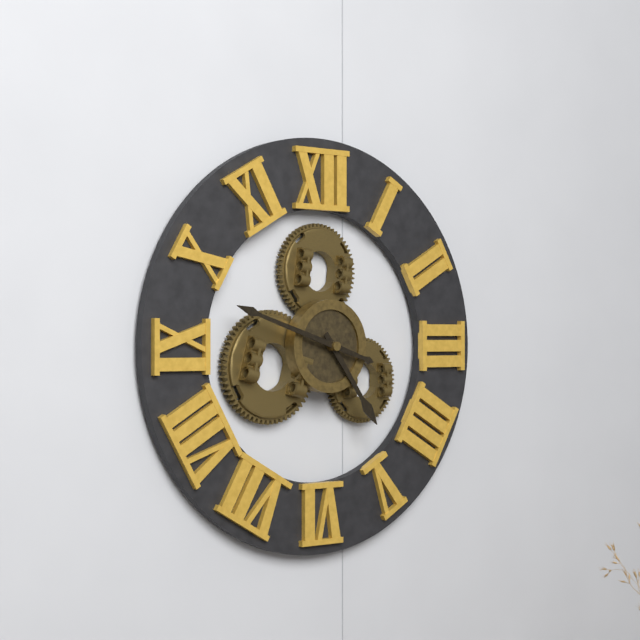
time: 4:48
